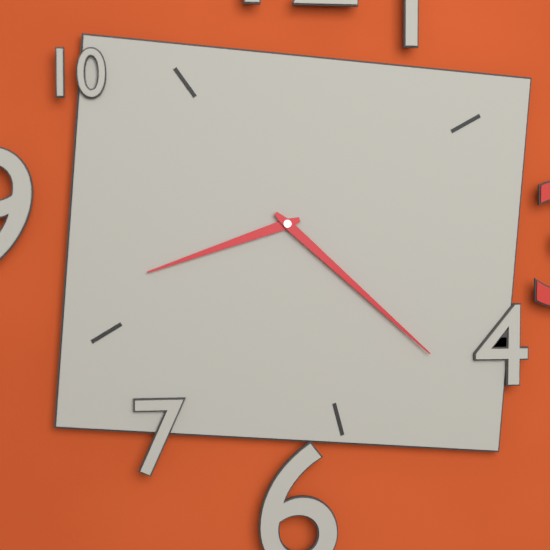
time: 8:22
